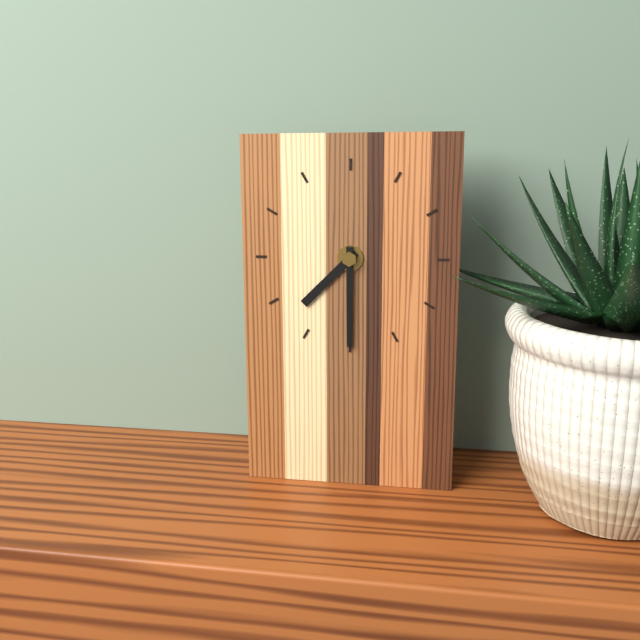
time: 7:30
